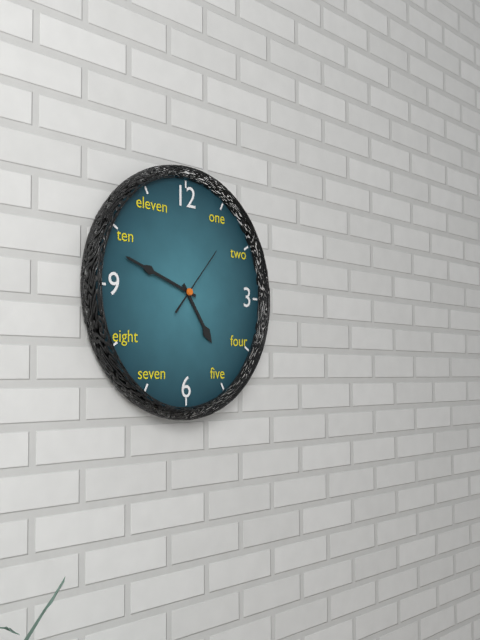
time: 4:48:07
